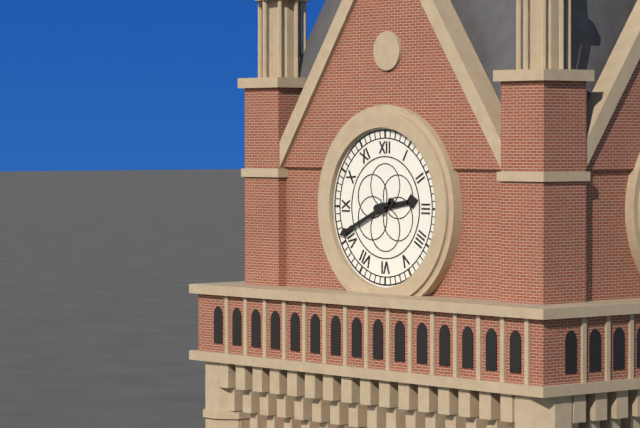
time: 2:41
